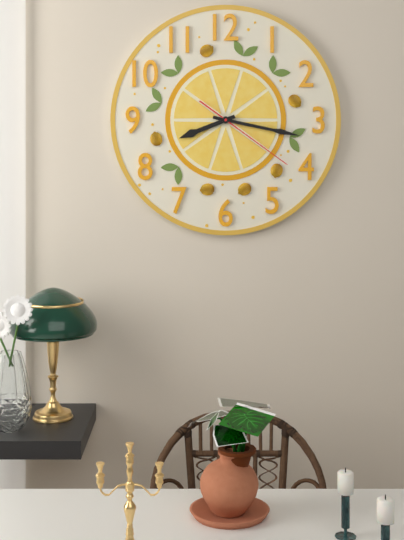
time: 8:17:21
